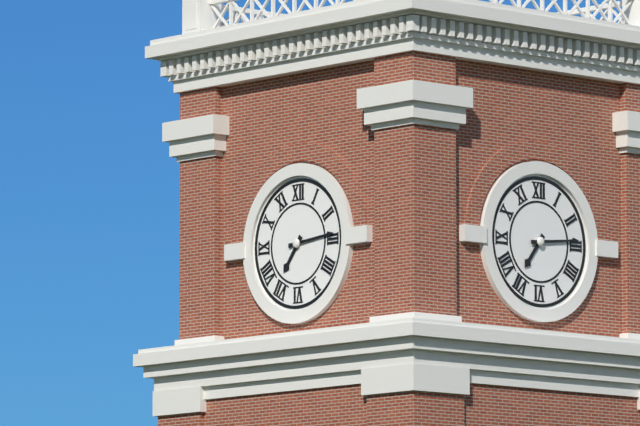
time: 7:14
